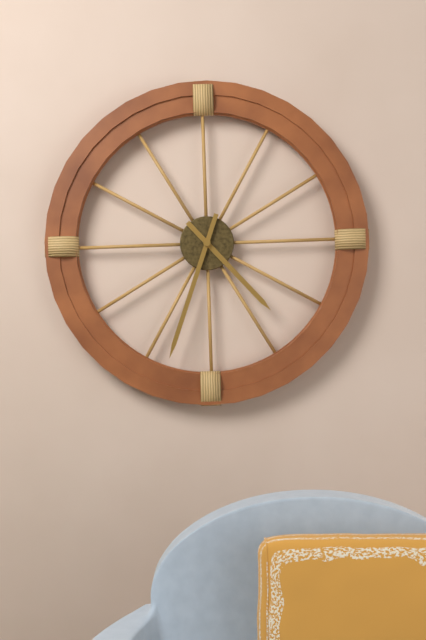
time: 4:33
